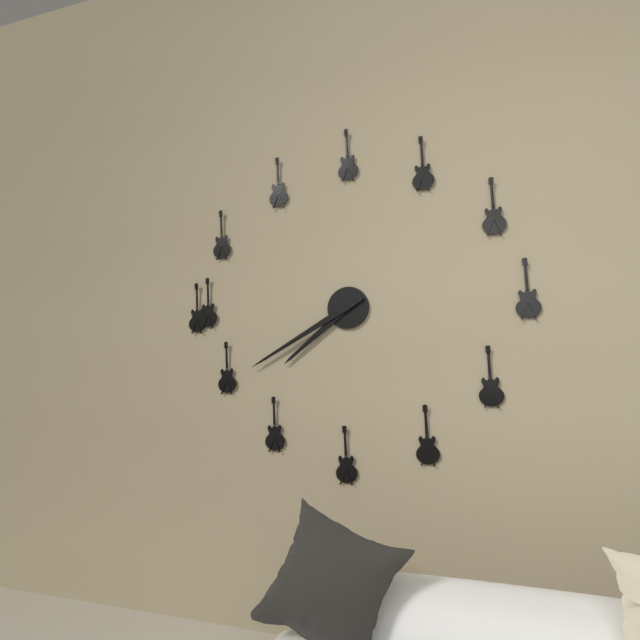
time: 7:40
